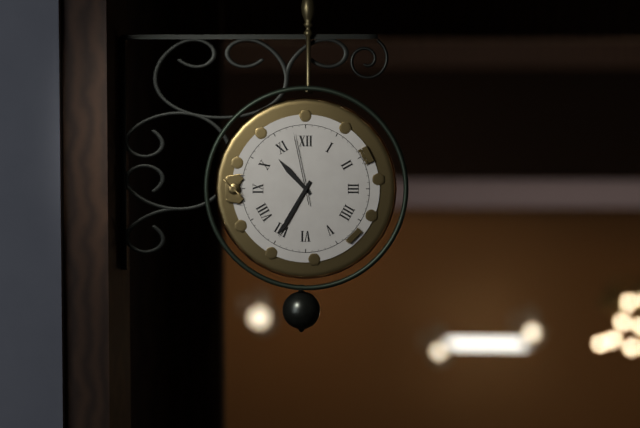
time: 10:35:58
